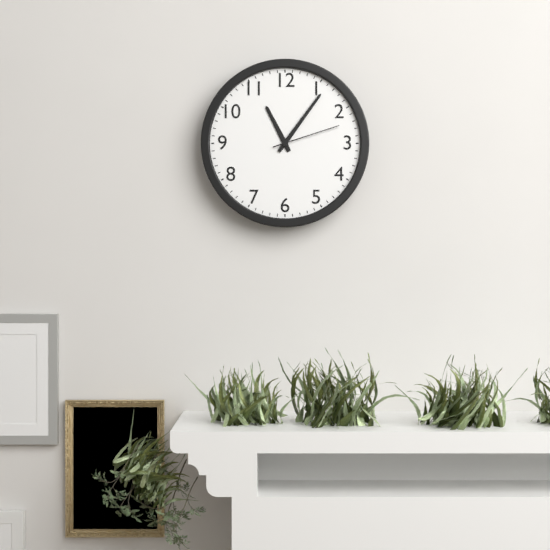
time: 11:06:12
